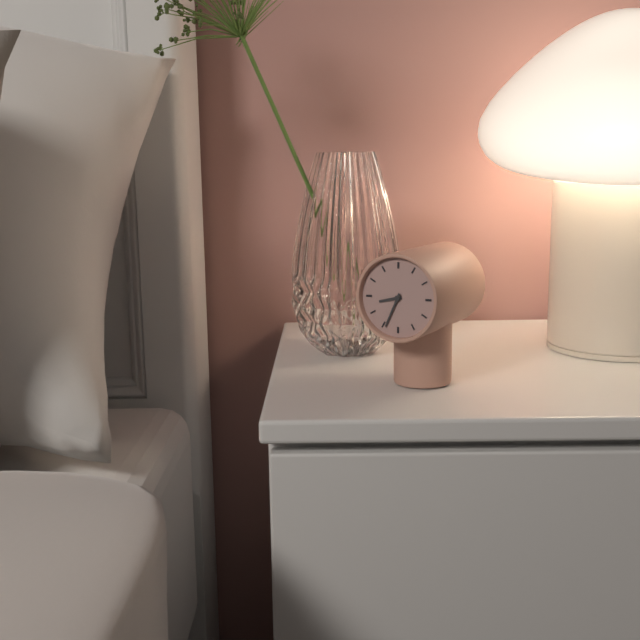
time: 8:34
